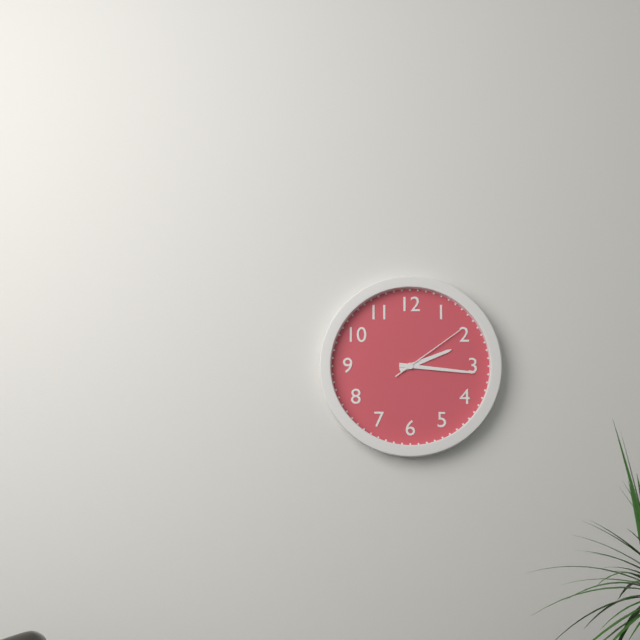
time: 2:16:09
